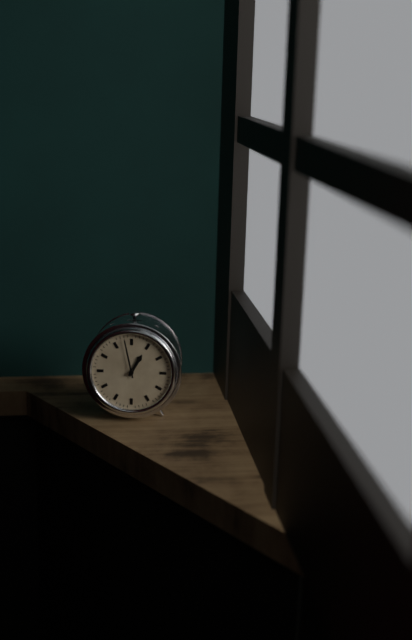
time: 12:58
